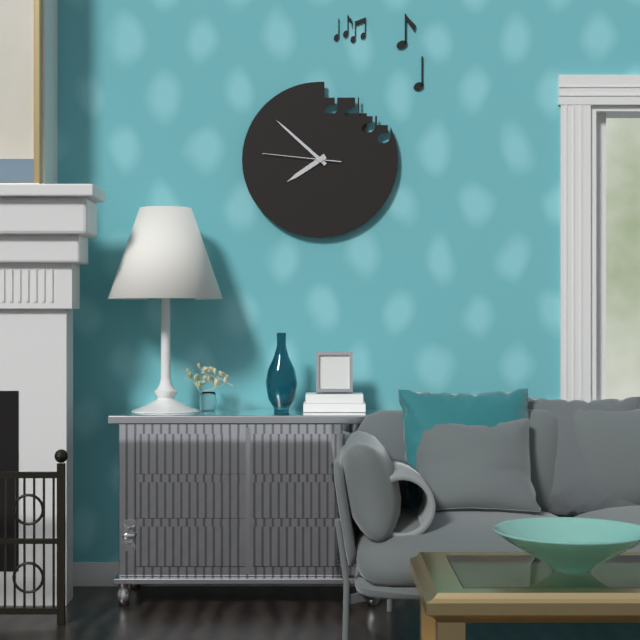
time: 7:52:46
